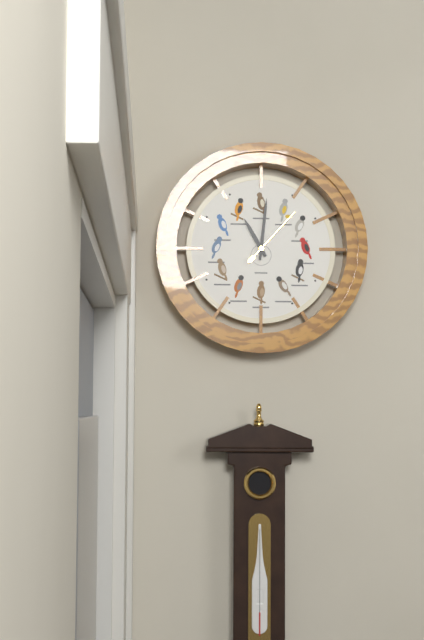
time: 11:01:07
